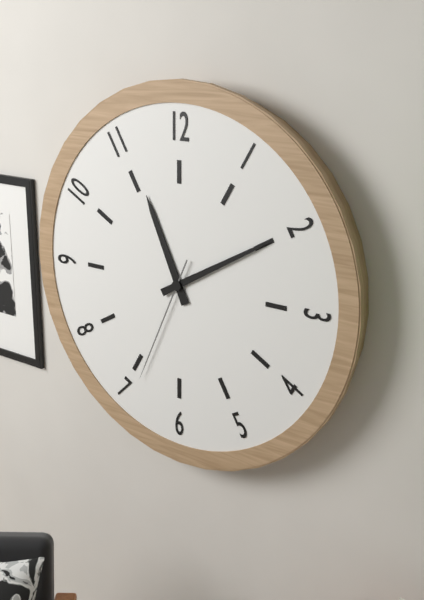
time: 11:10:34
